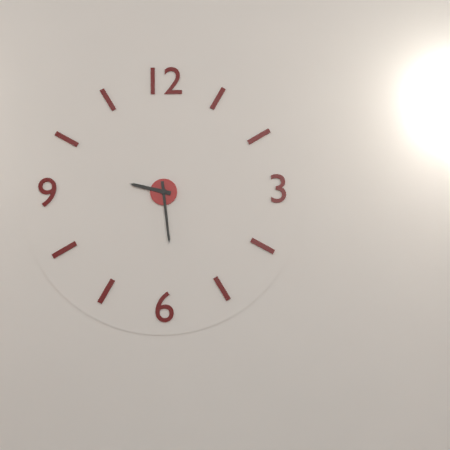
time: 9:29
